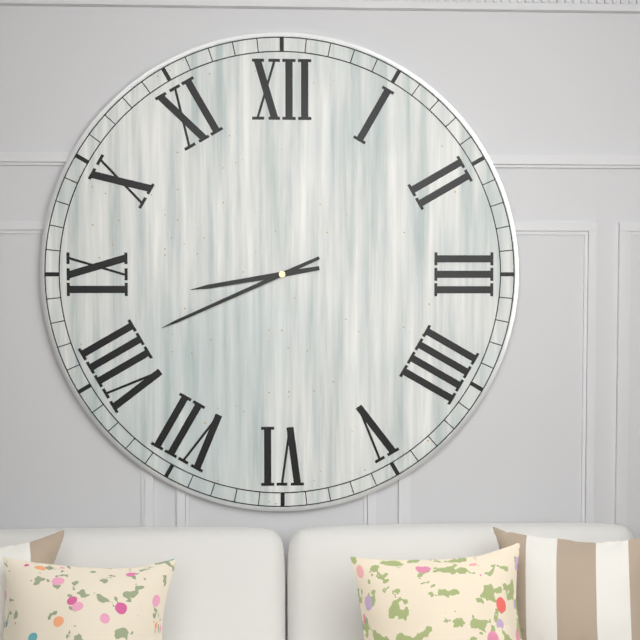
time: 8:41
